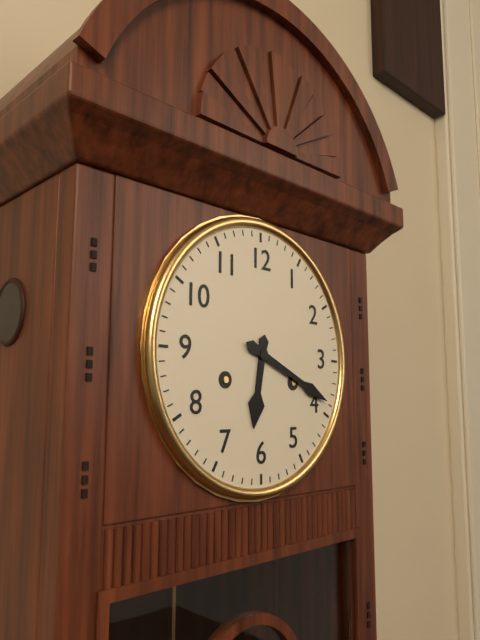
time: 6:19
